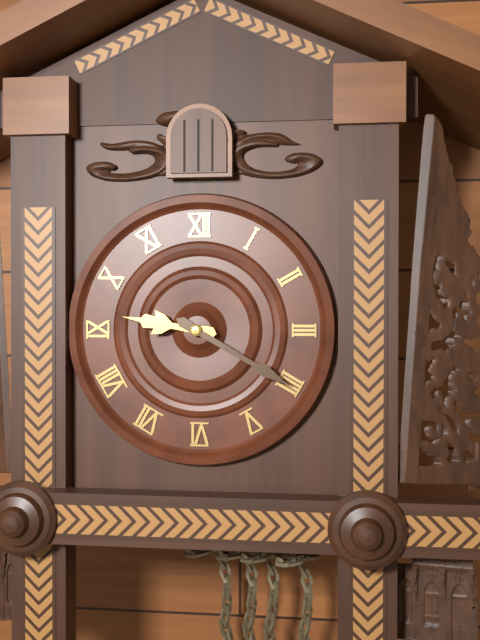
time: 9:20
